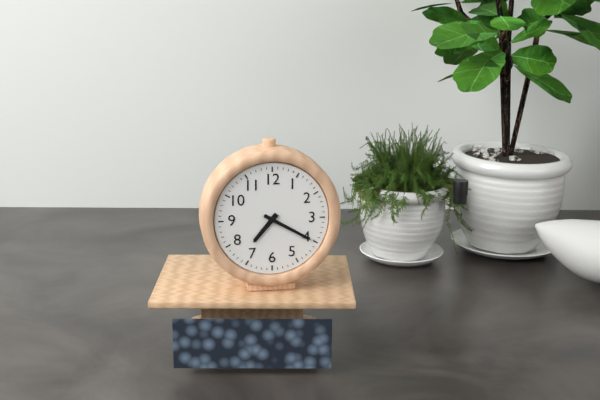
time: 7:20
